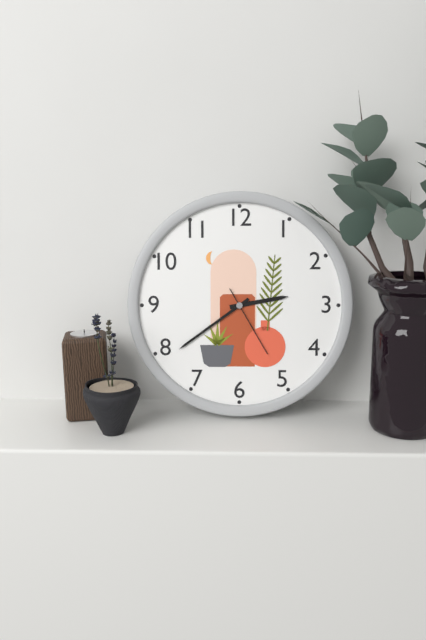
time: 2:39:25
